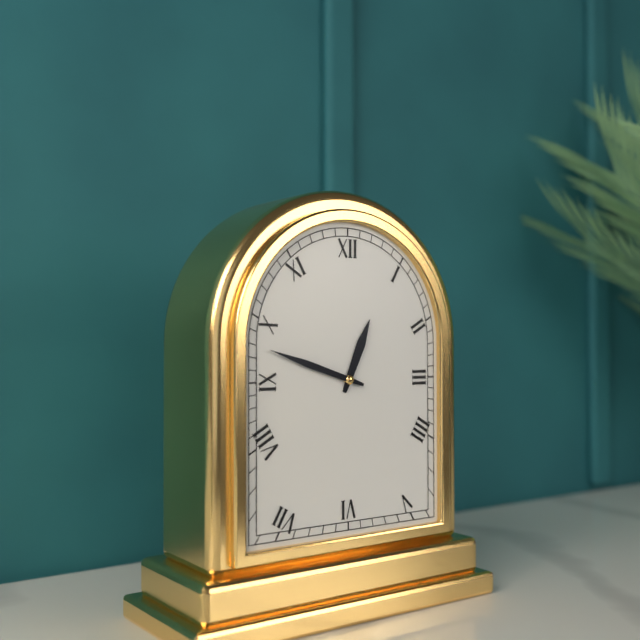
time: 12:48
